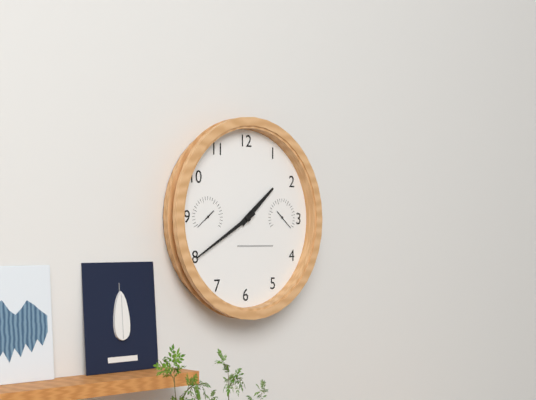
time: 1:40
